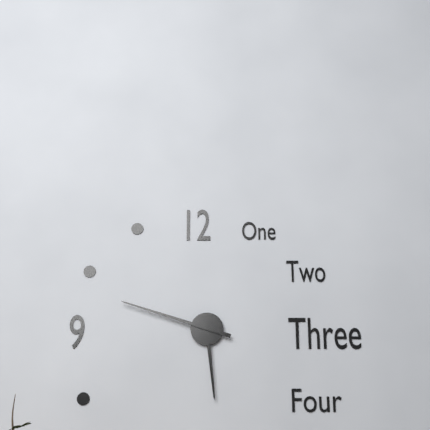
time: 5:48
